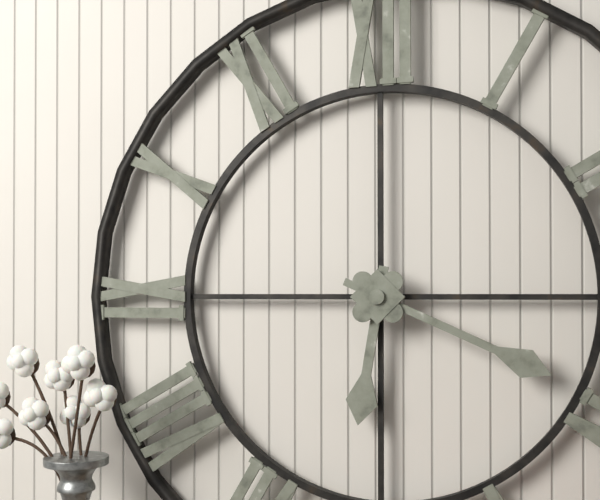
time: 6:19
